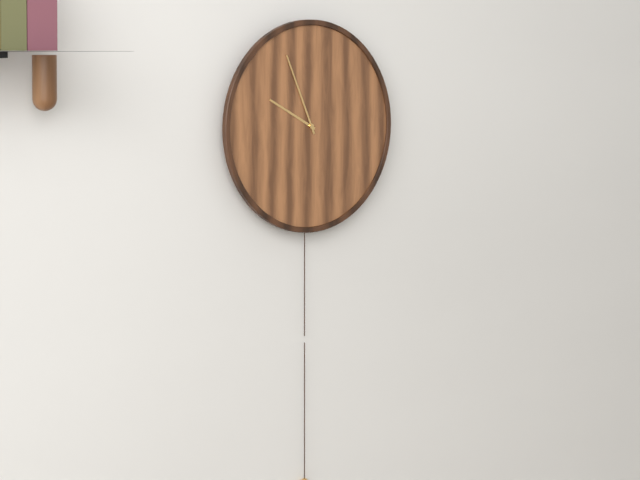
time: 9:56
